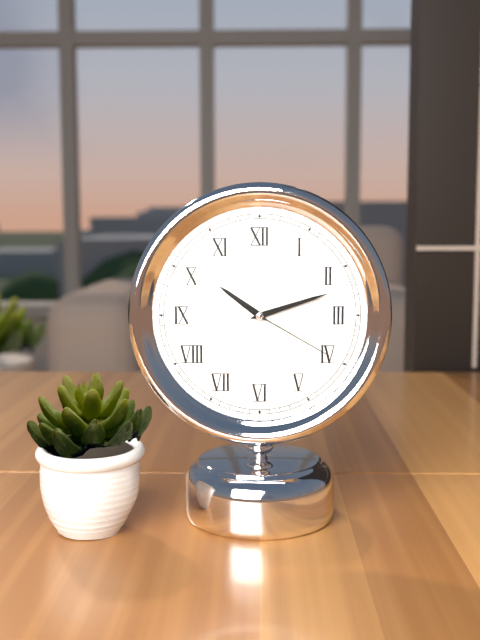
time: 10:12:20
